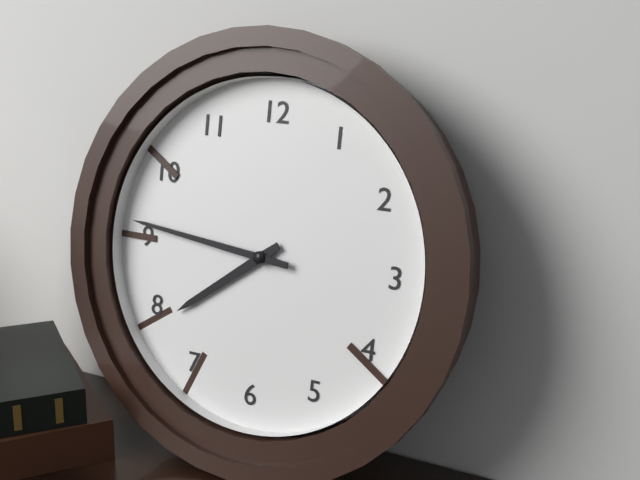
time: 7:46
